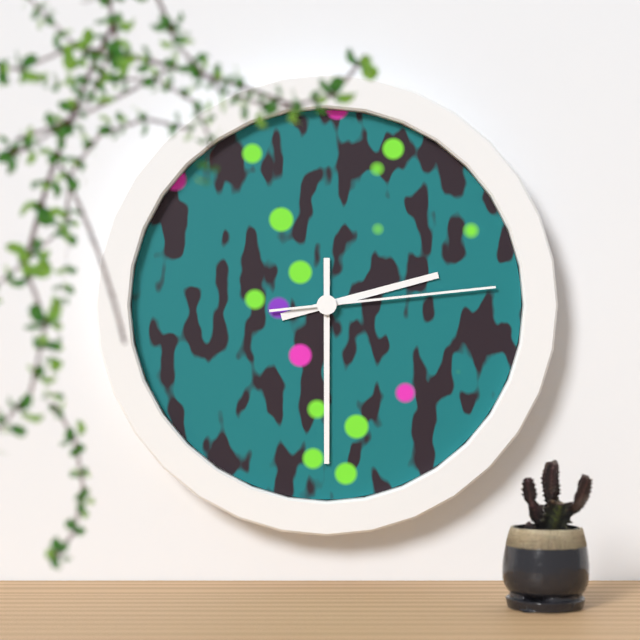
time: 2:30:14
